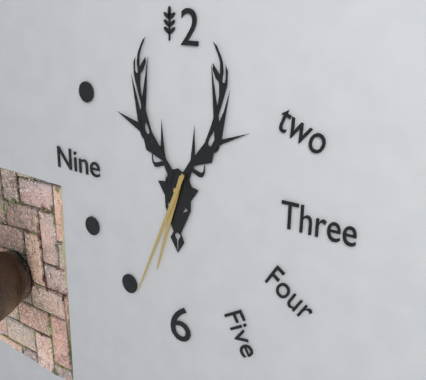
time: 6:34
